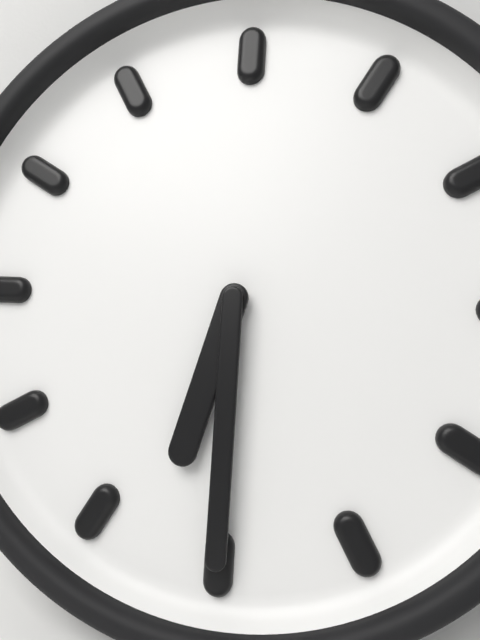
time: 6:30
